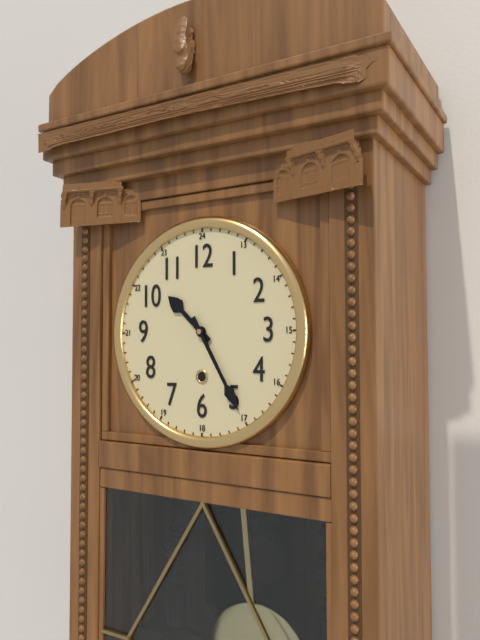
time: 10:25
